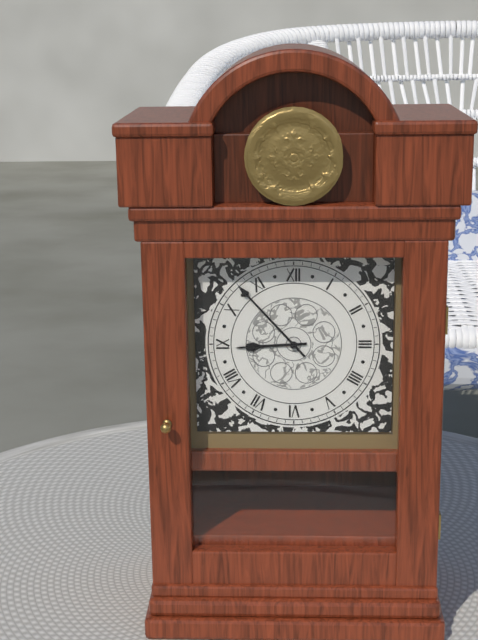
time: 8:53
